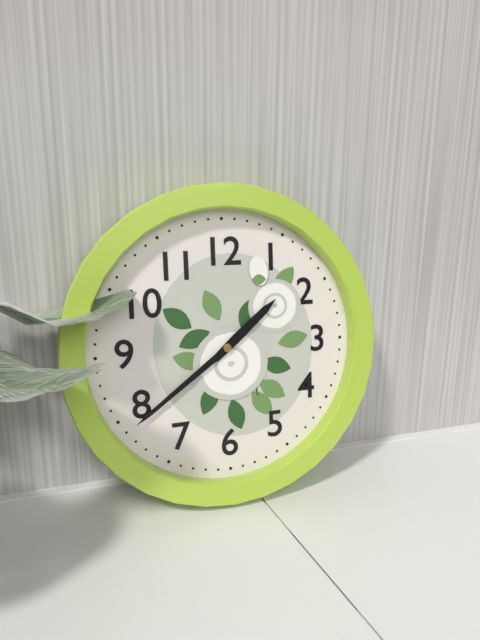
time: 1:39
